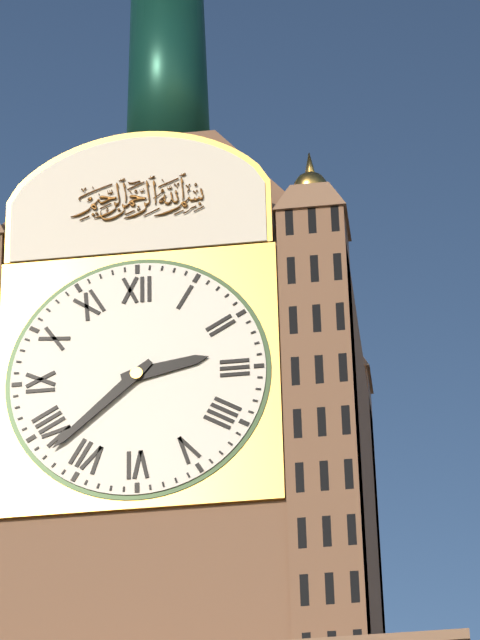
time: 2:38
